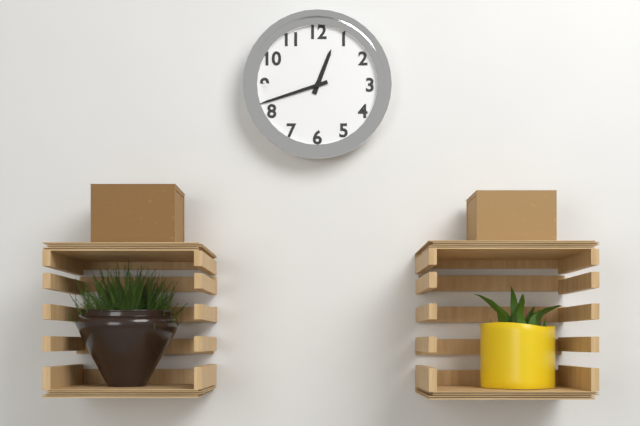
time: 12:42
